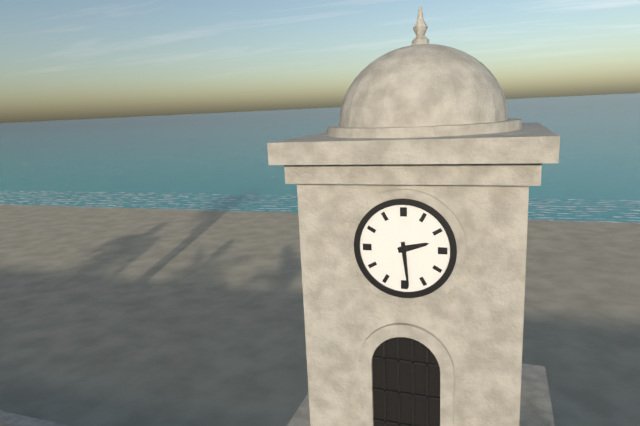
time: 2:29
